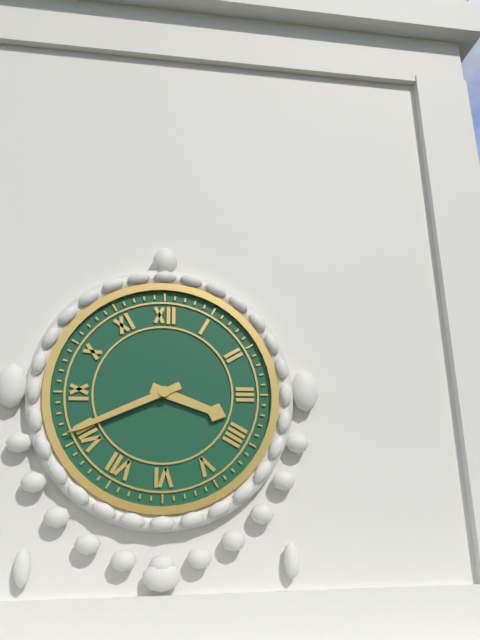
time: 3:41
